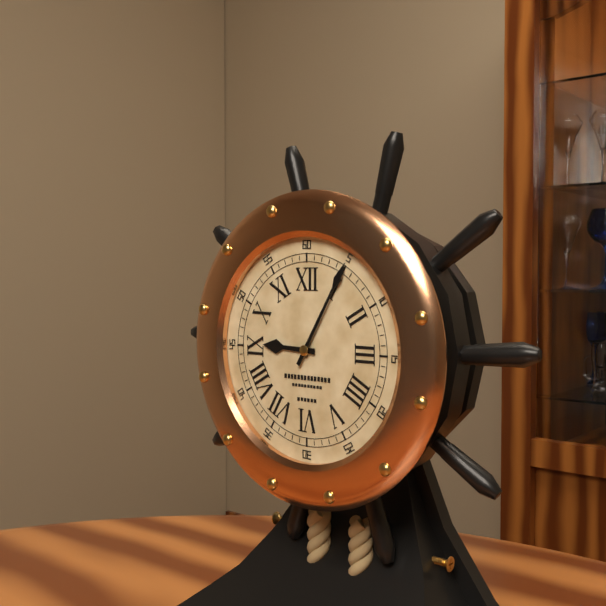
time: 9:05
